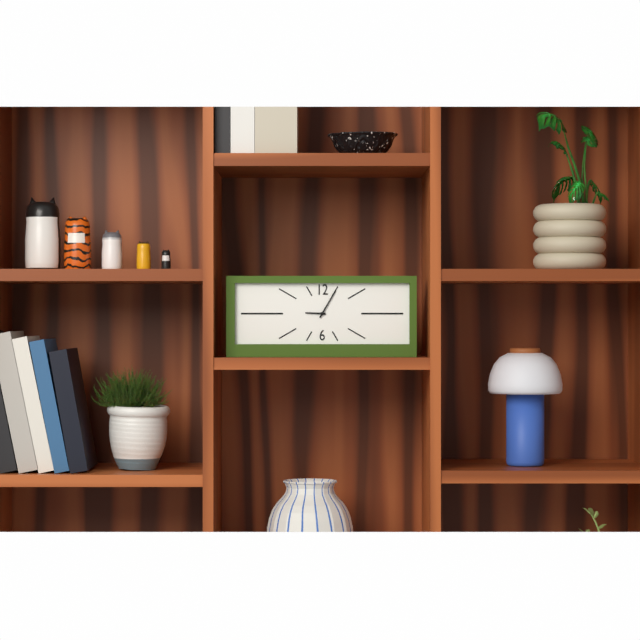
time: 9:05
